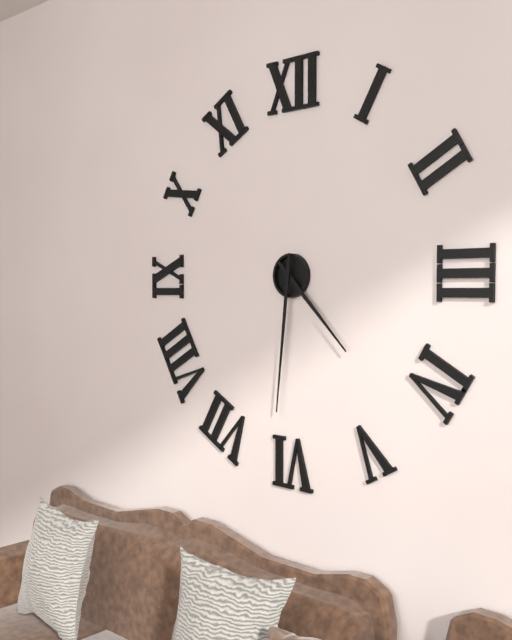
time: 4:31
